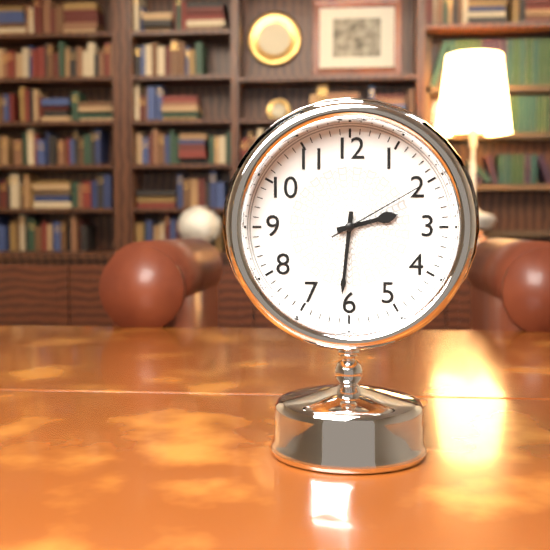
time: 2:31:10
